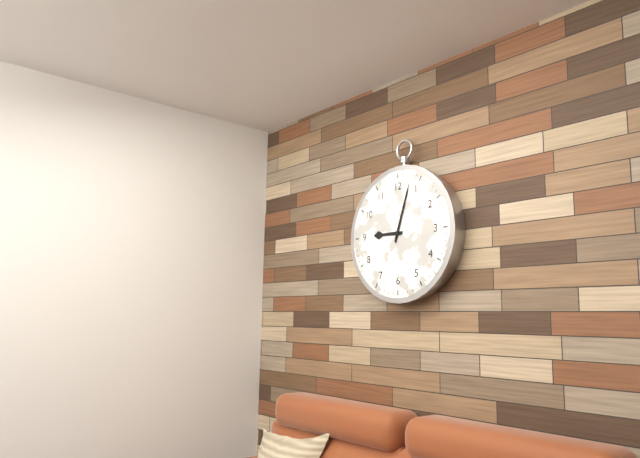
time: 9:03
